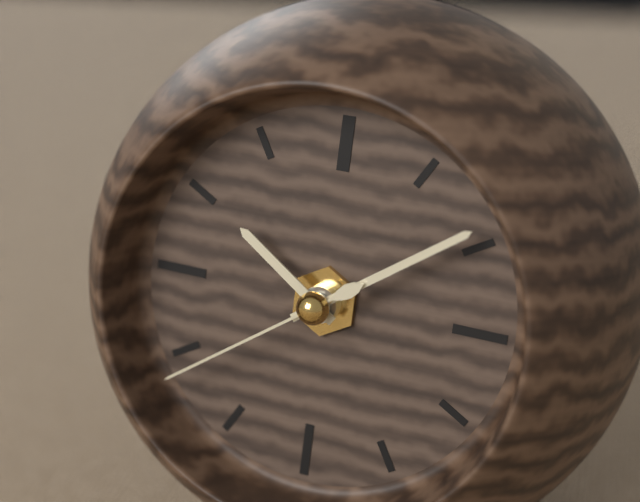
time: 10:09:39
